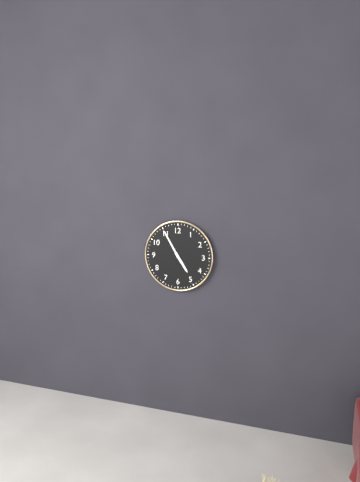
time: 4:55
